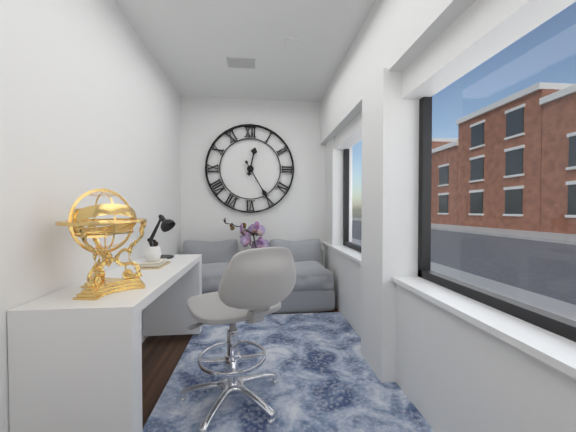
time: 12:25
